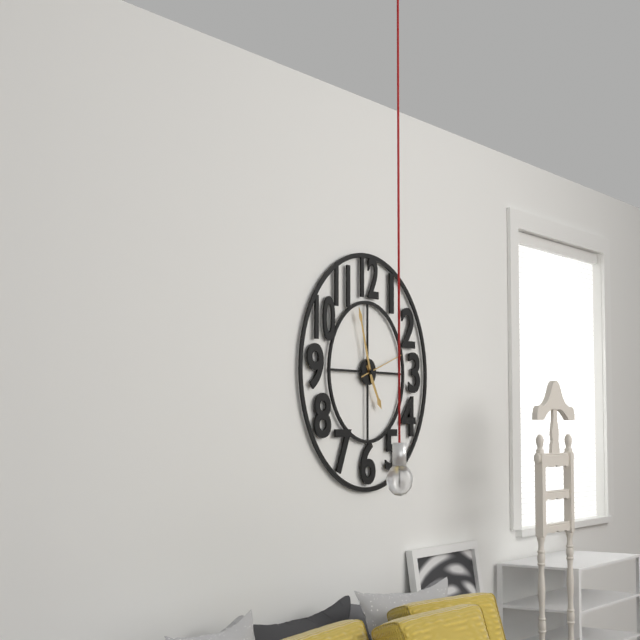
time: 4:57
